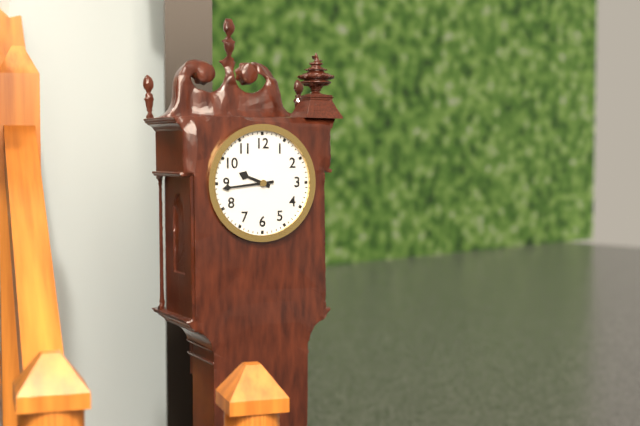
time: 9:44
